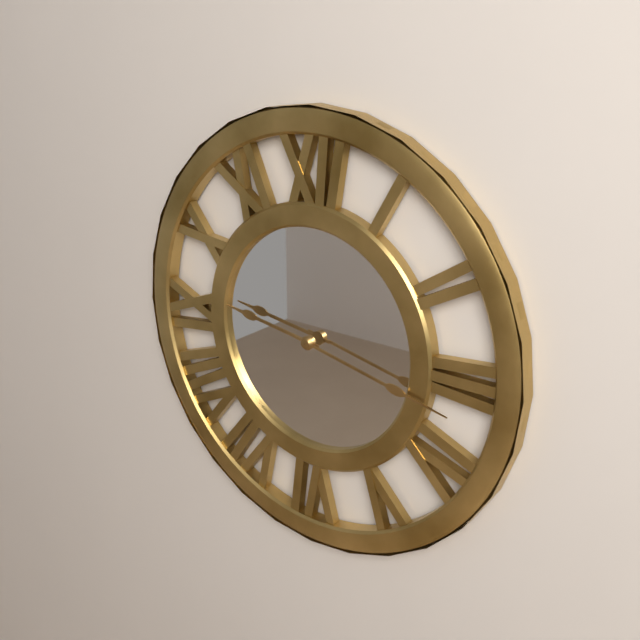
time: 9:17
